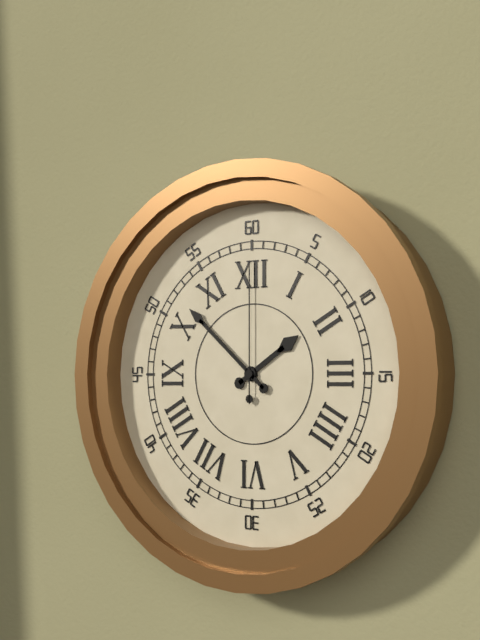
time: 1:52:00
